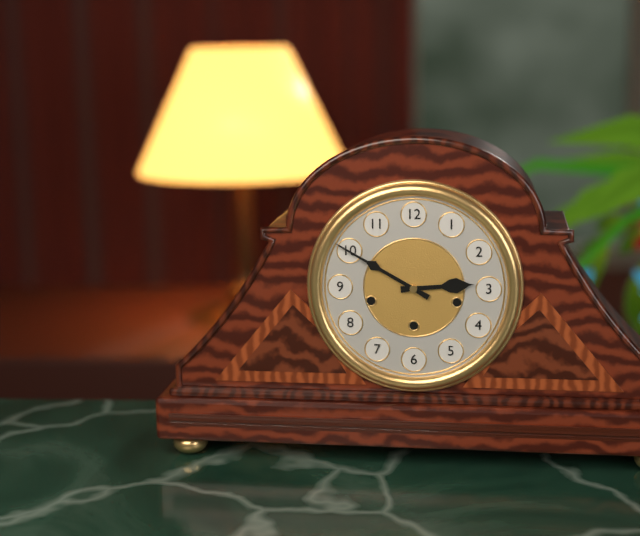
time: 2:50
